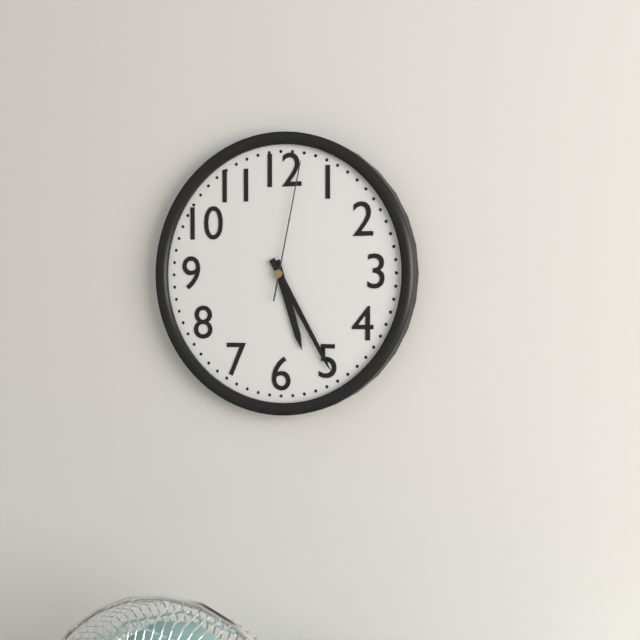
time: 5:25:02
